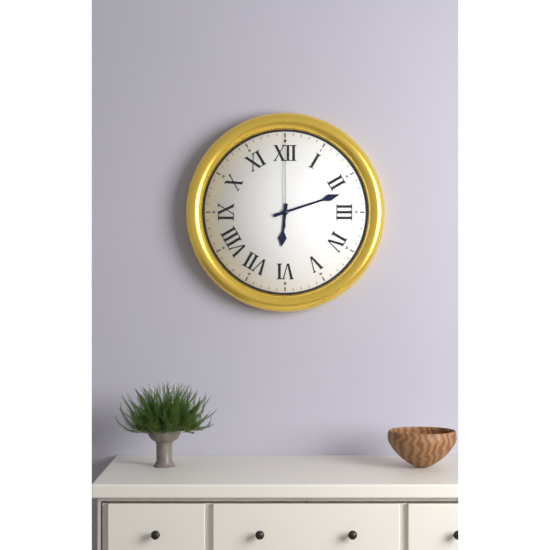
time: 6:12:00
